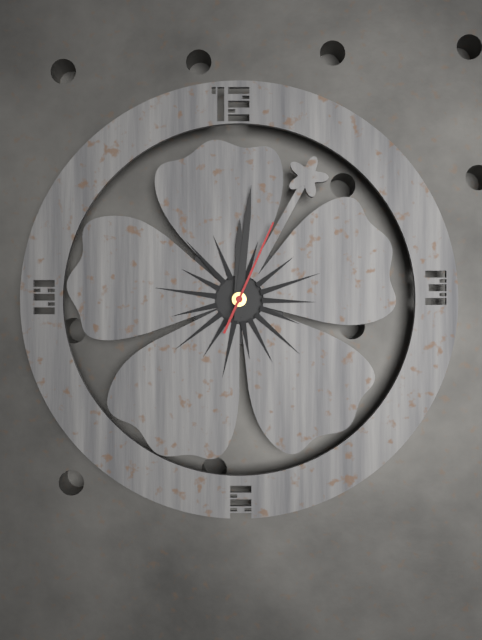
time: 12:01:04
